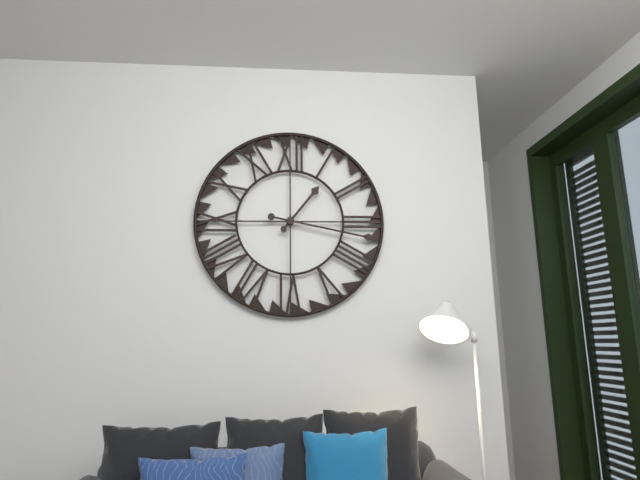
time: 1:17
